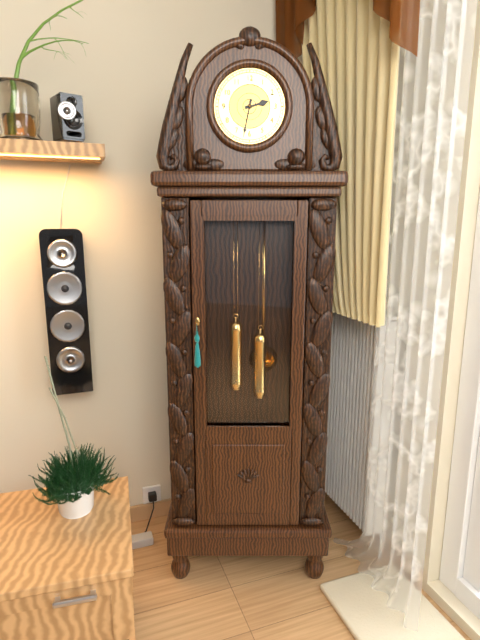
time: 2:32
